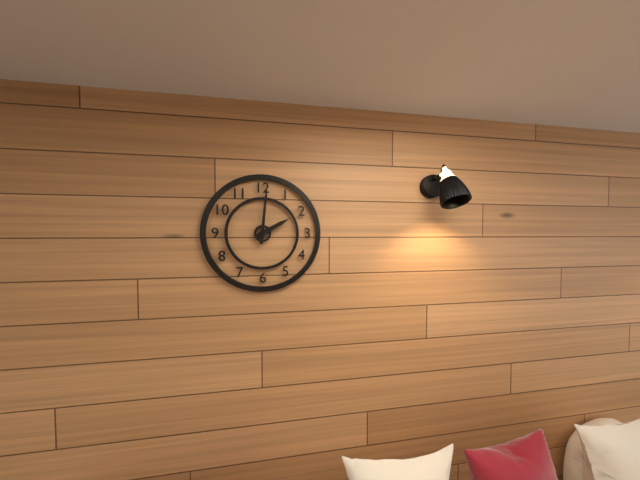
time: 2:01
